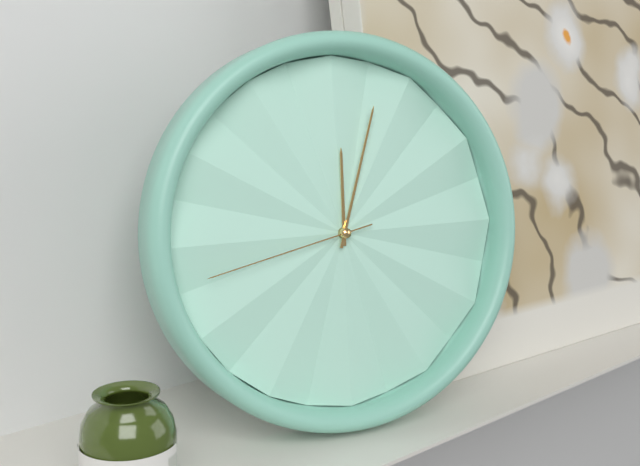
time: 12:03:43
